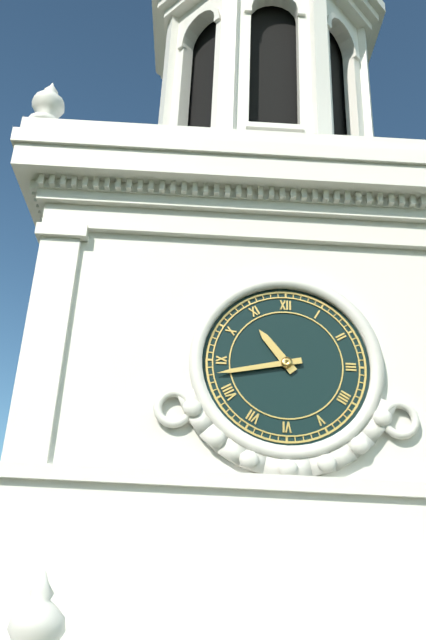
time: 10:43
